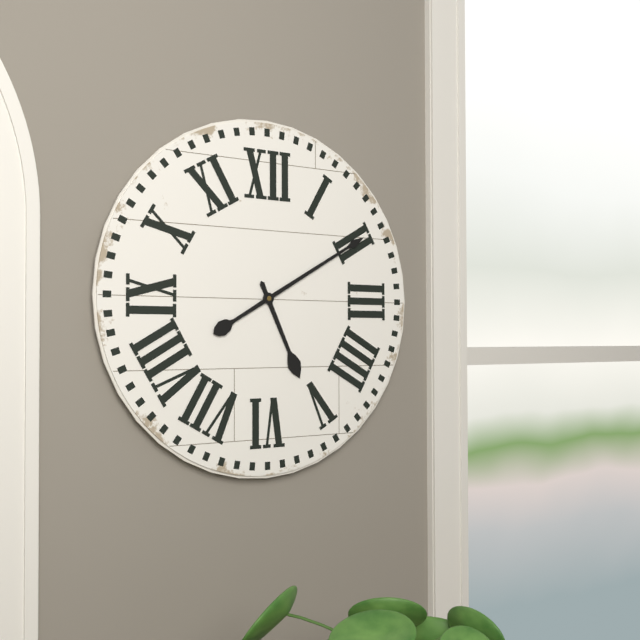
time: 5:10
